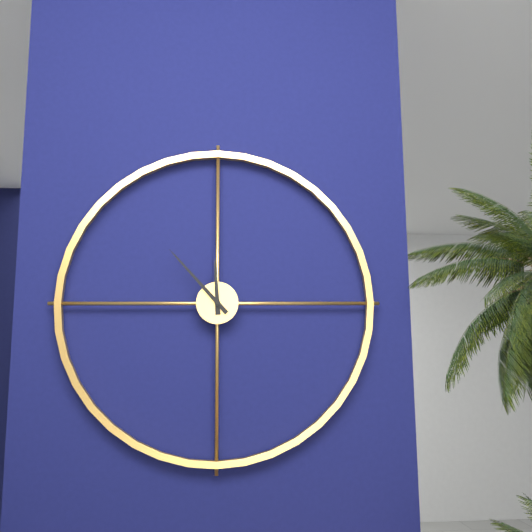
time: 11:53
